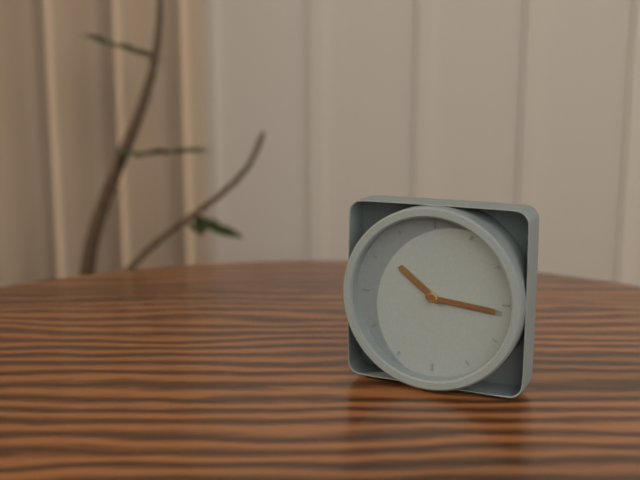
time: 10:16
